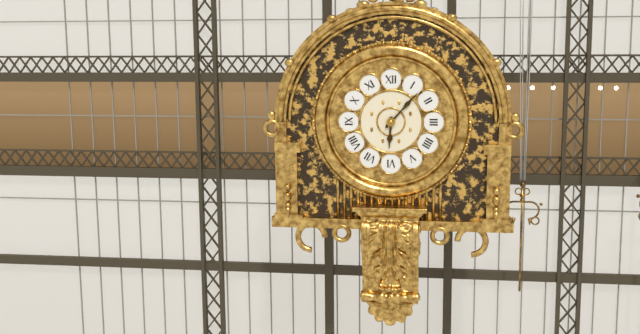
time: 6:07
